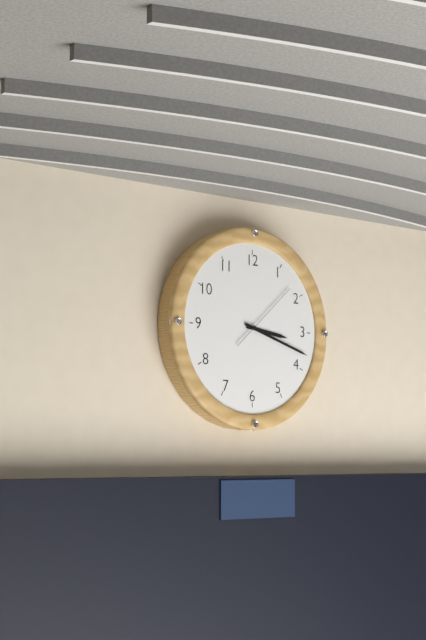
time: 3:18:08
